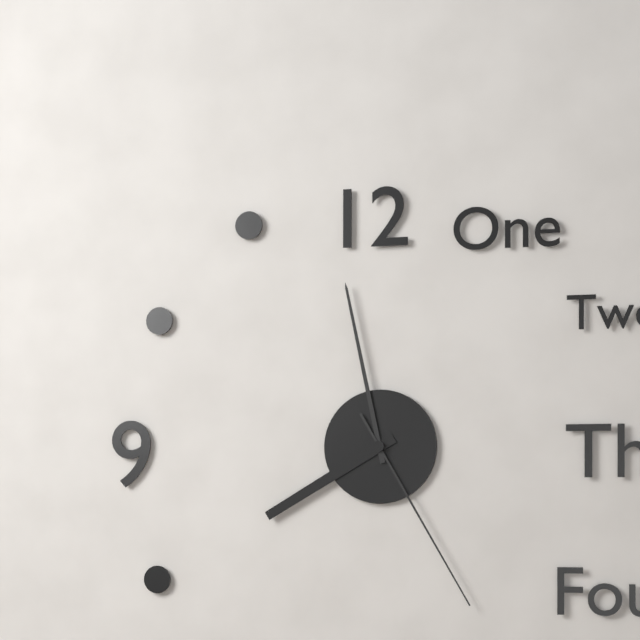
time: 7:58:25
